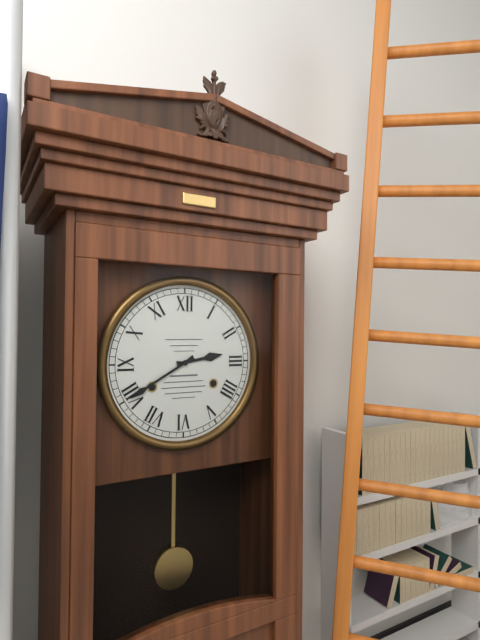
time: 2:40
